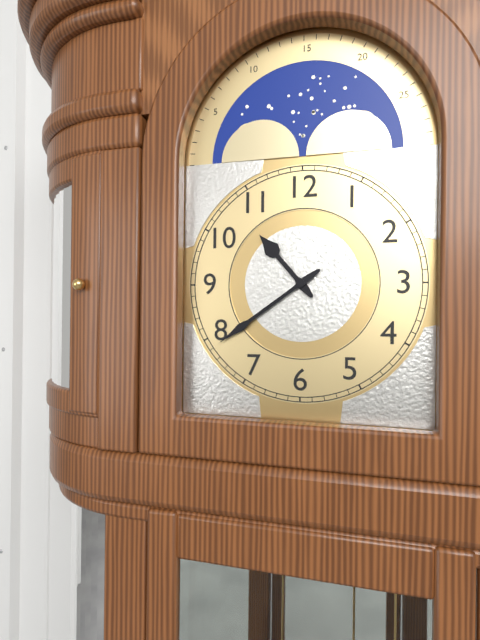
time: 10:39
